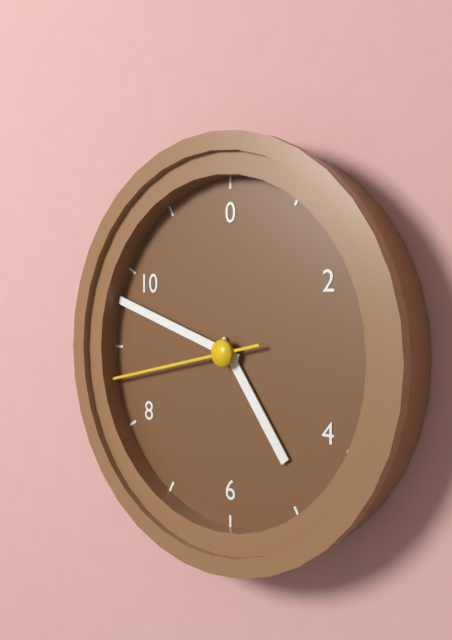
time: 4:48:43
